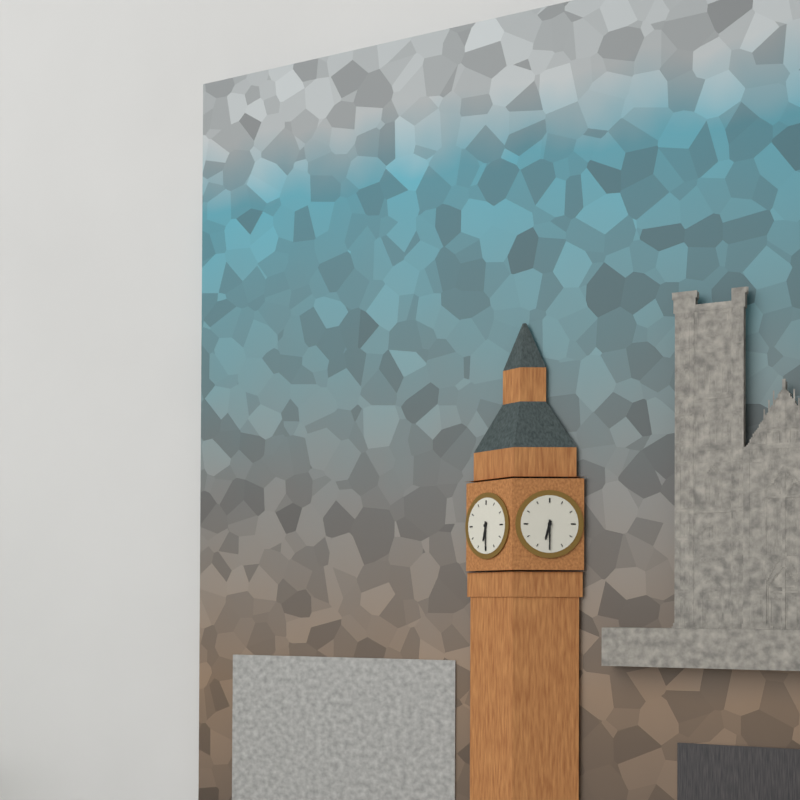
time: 6:30
